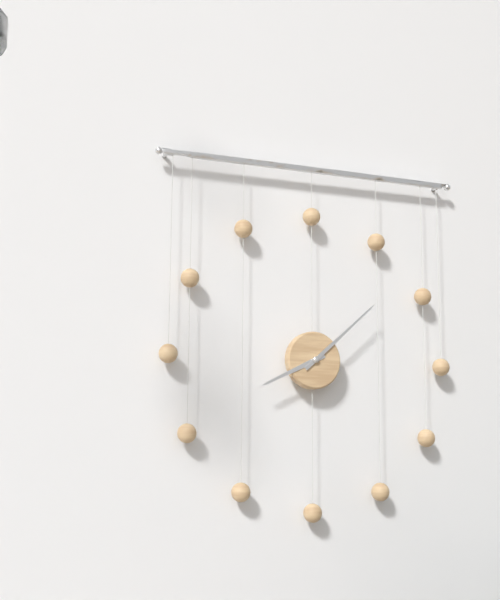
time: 8:08
